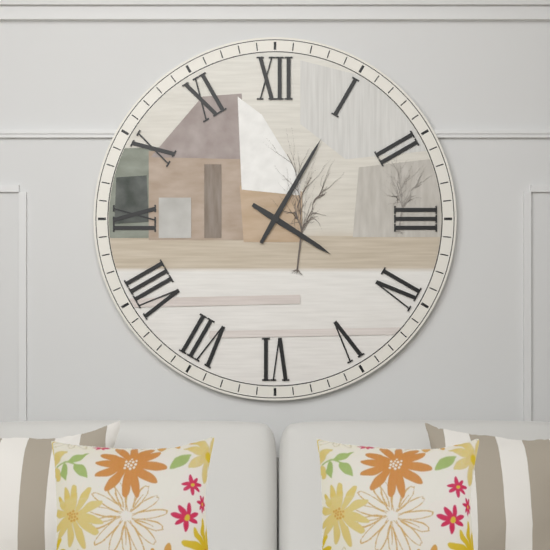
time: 4:05
